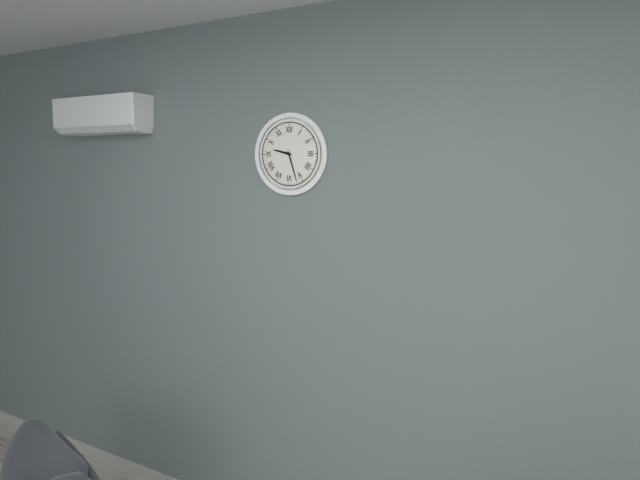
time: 9:27
